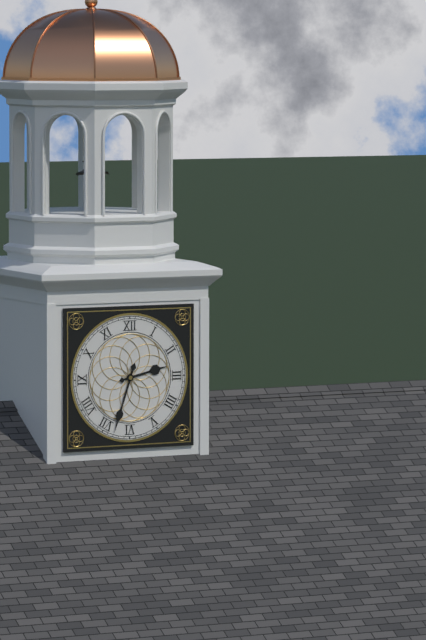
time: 2:33
